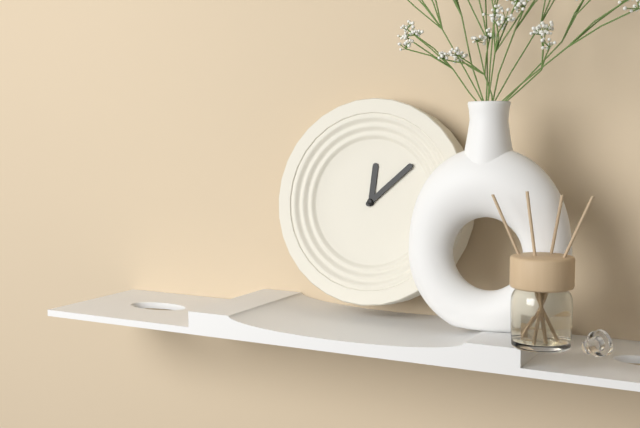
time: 12:08
